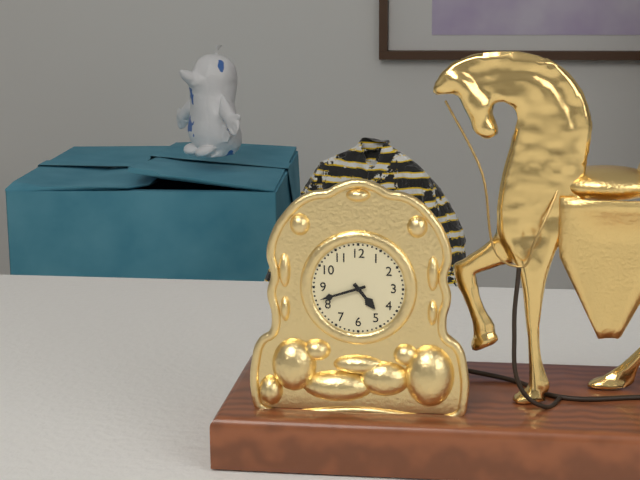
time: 4:42
